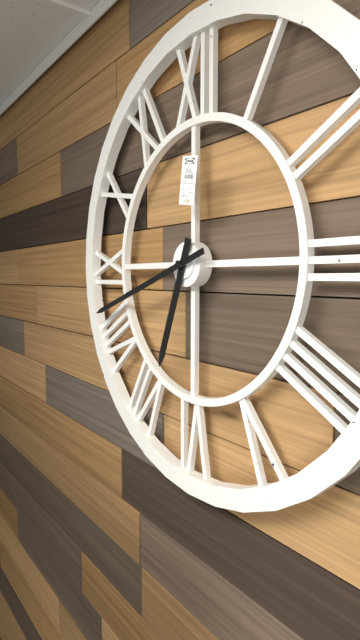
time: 6:42
